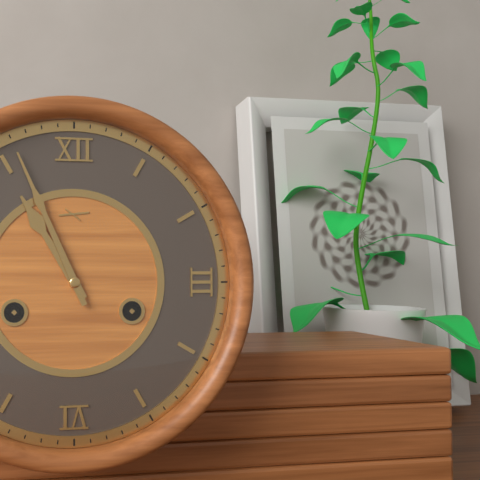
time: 10:56
